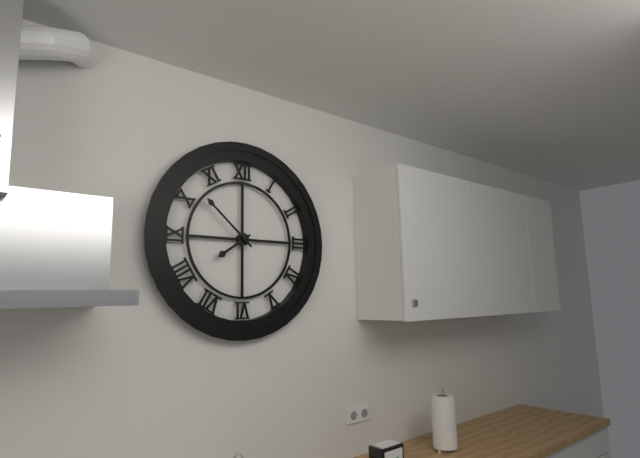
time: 7:52
